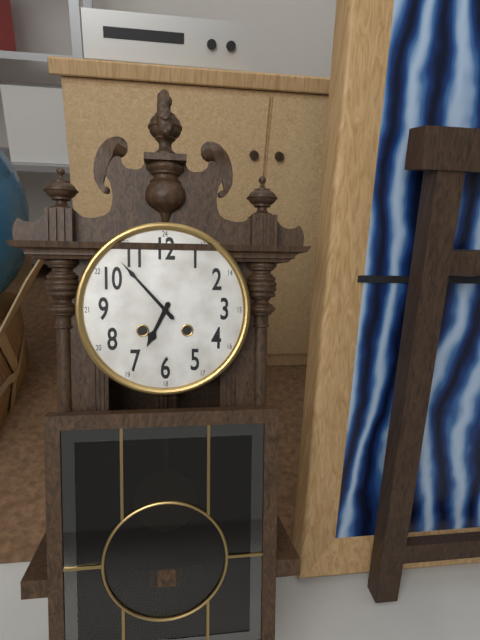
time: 6:53
